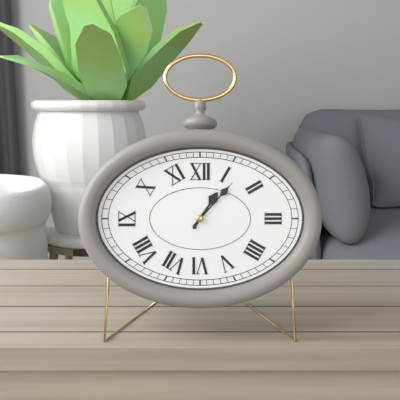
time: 1:07
